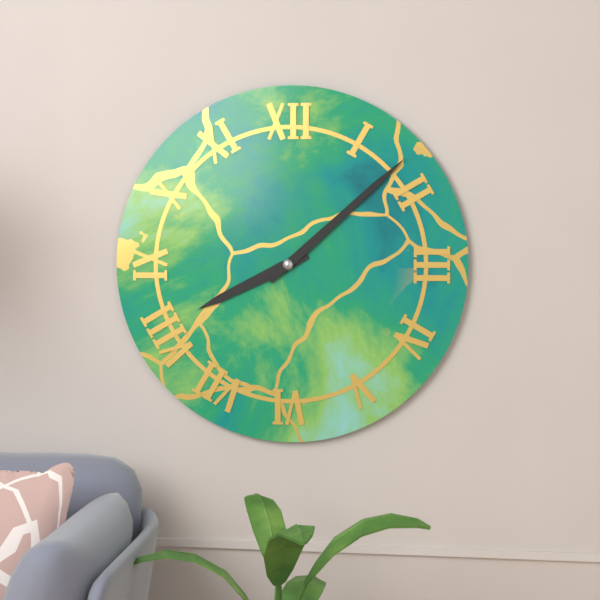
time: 8:08
